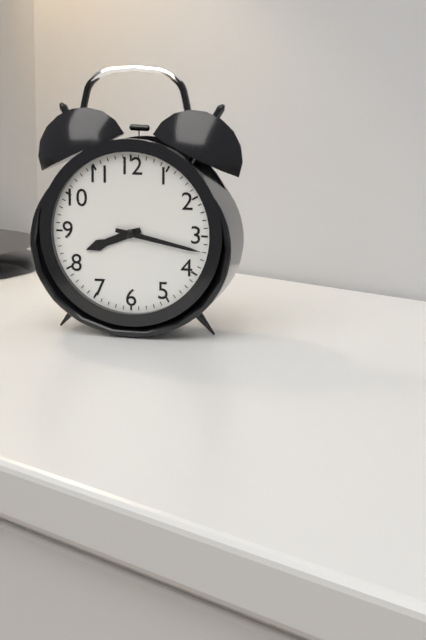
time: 8:17
